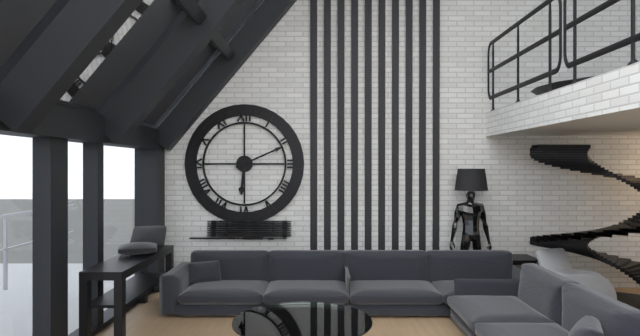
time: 6:11
